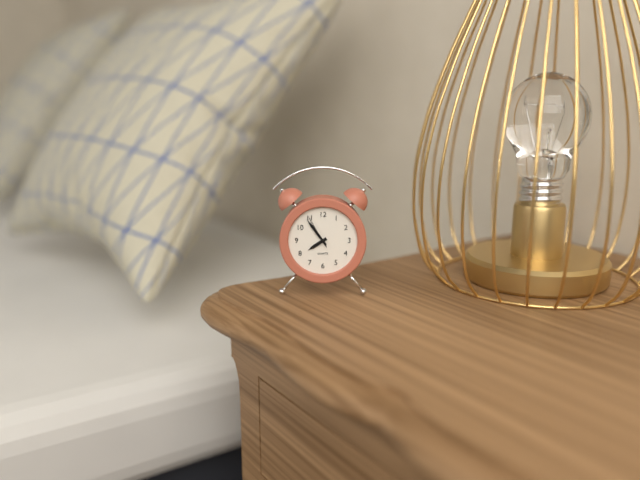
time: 7:54
